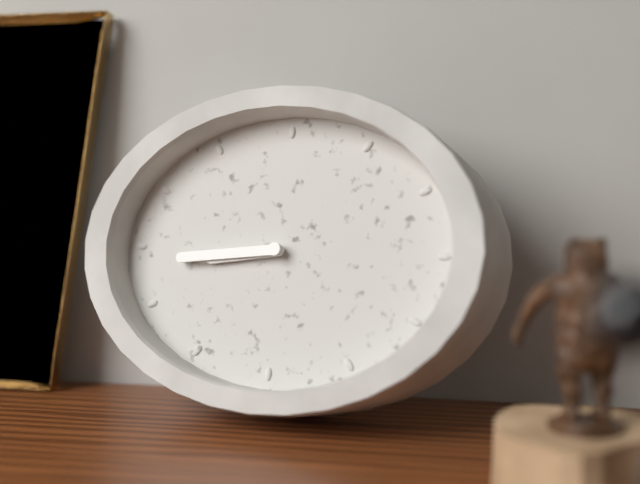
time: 8:44
